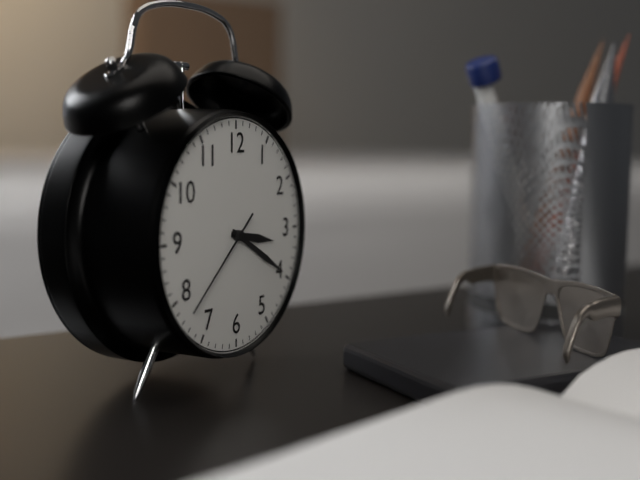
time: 3:20:38
